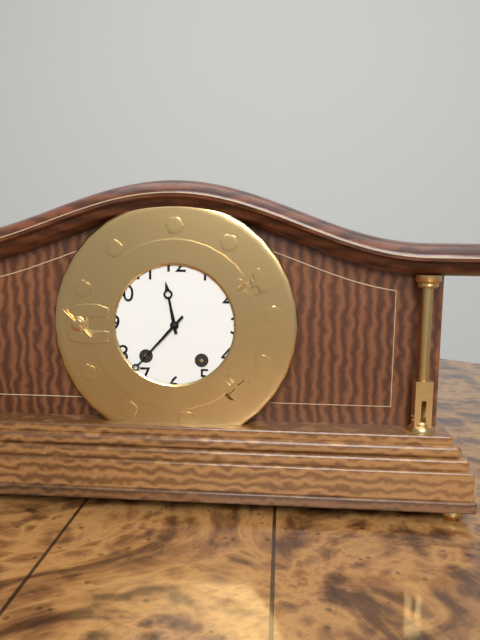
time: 11:37
